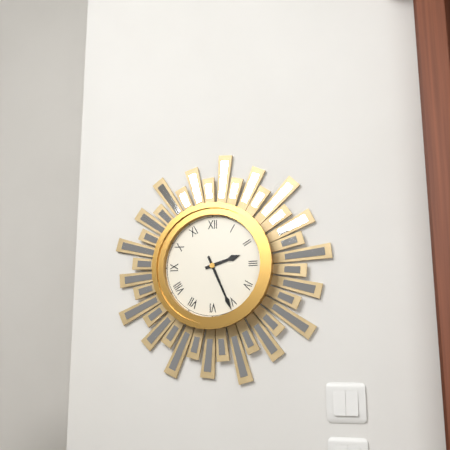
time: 2:26
